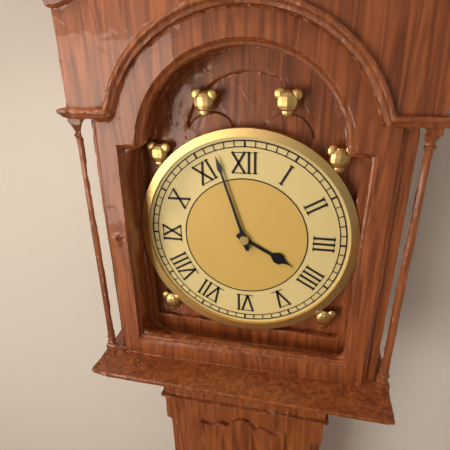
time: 3:57
